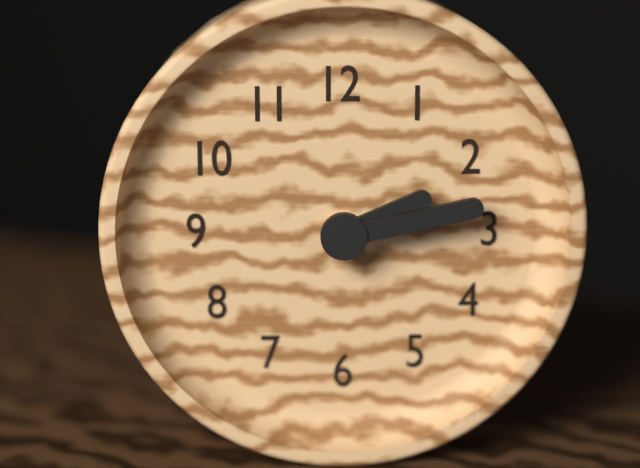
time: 2:13
